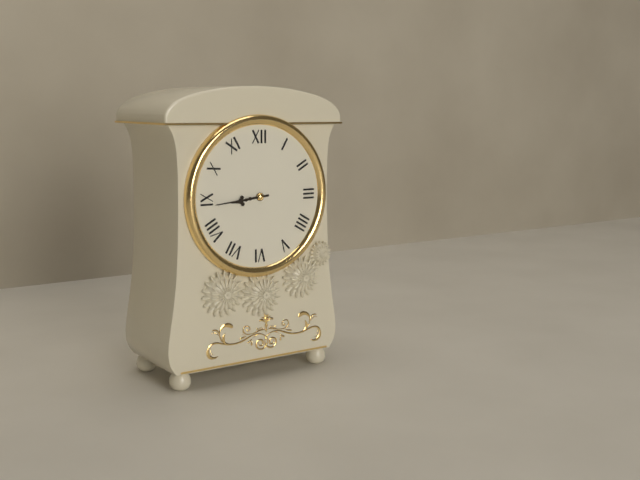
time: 8:44
